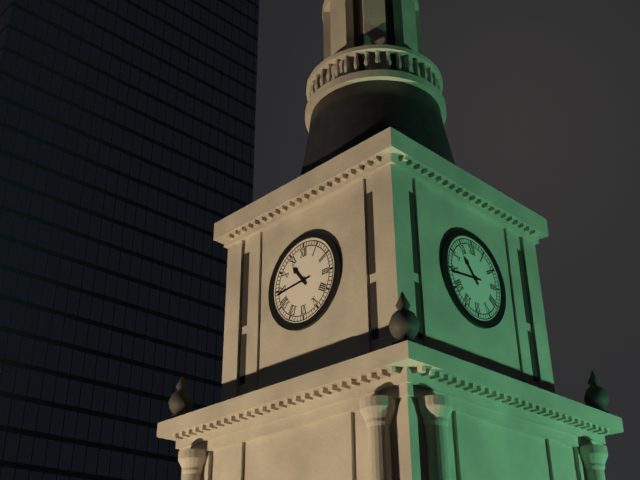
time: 10:44
